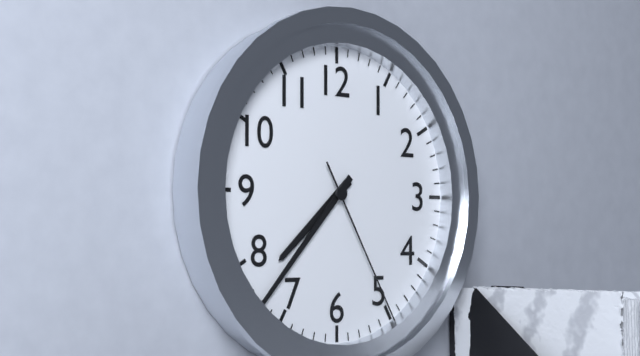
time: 7:37:25
